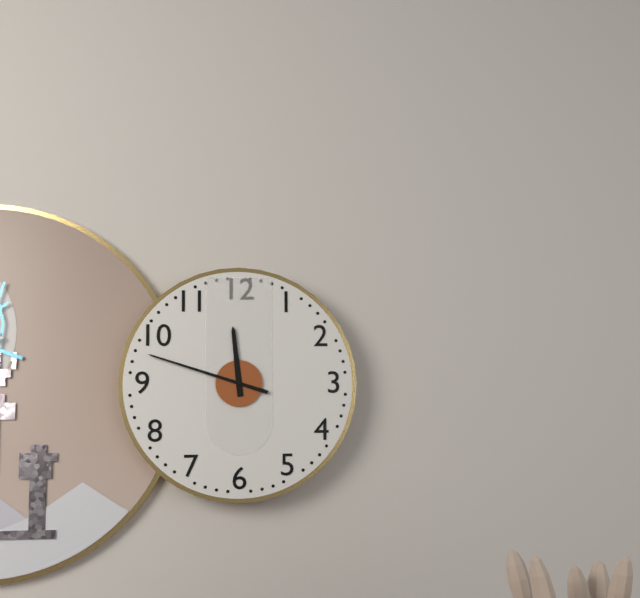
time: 11:48
